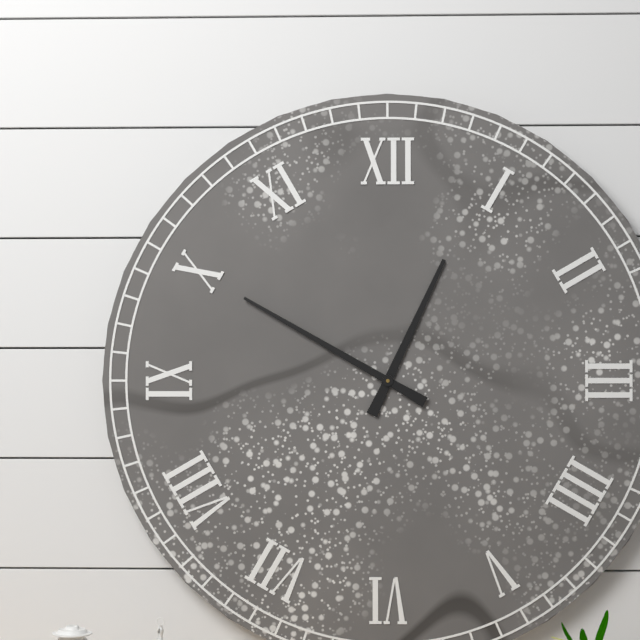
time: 12:50
